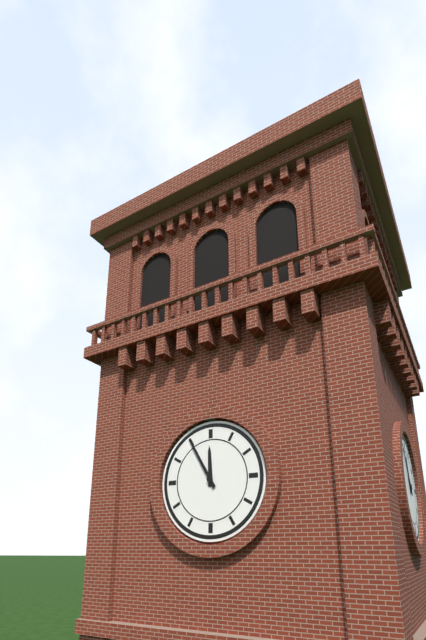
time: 11:55
